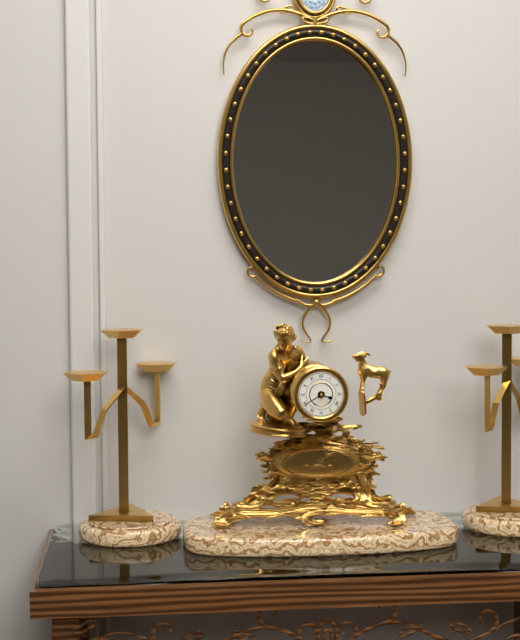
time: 3:40
